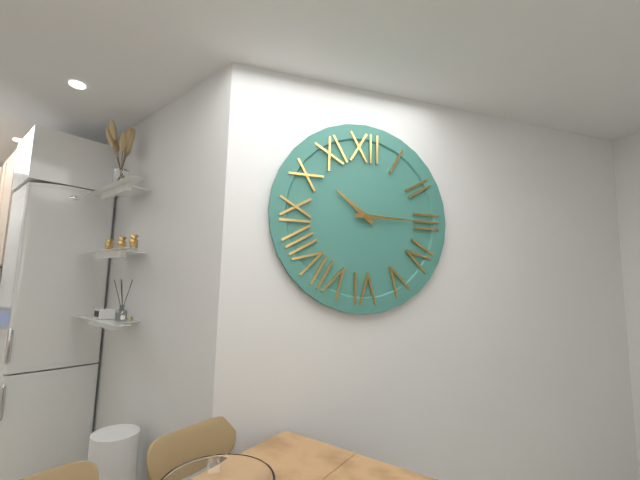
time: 10:15
